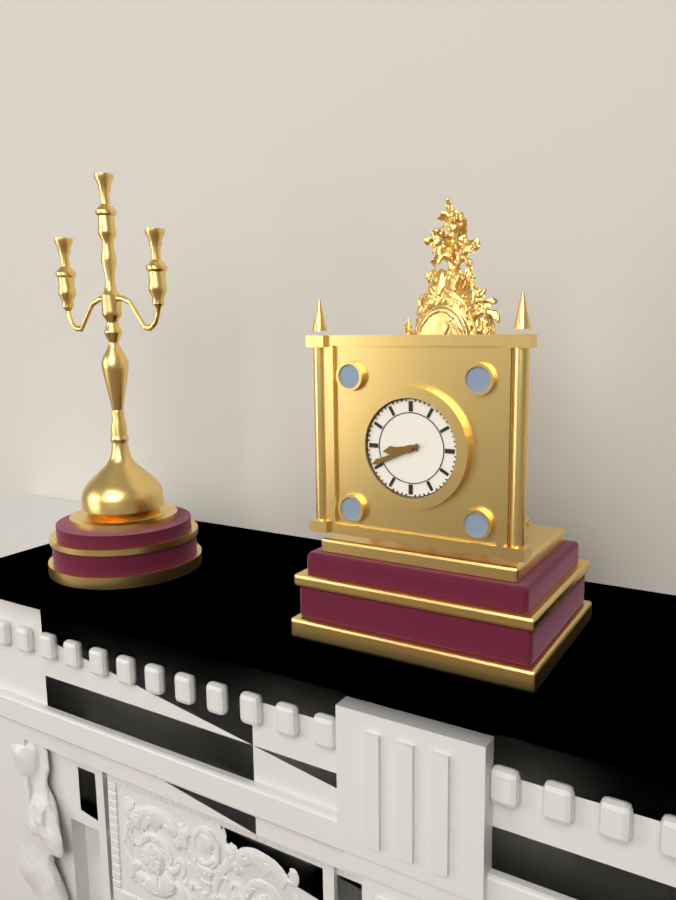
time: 8:41
